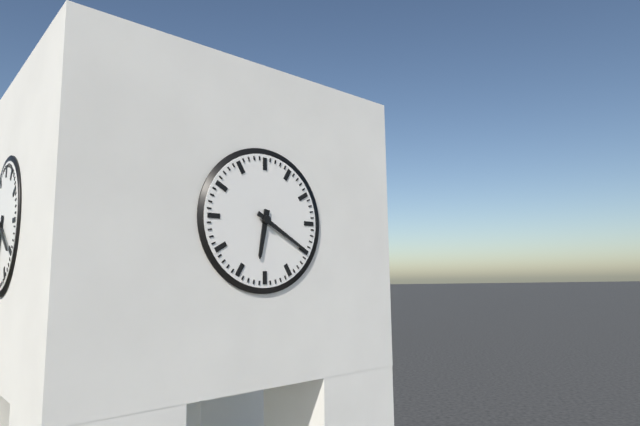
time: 6:20
